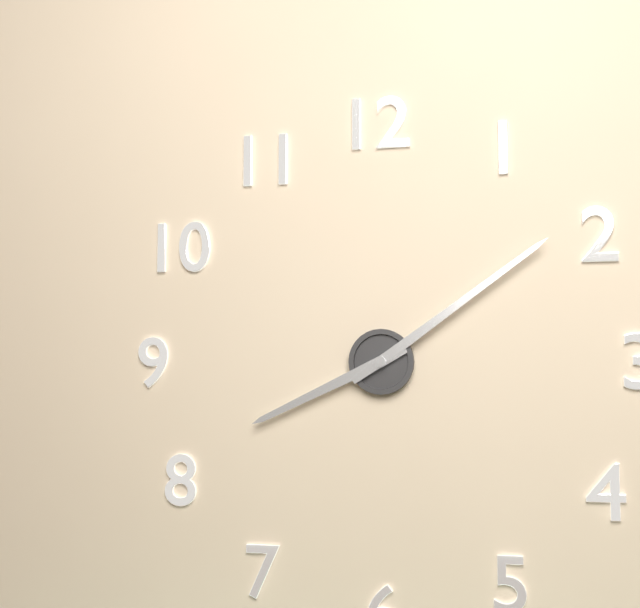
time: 8:09
